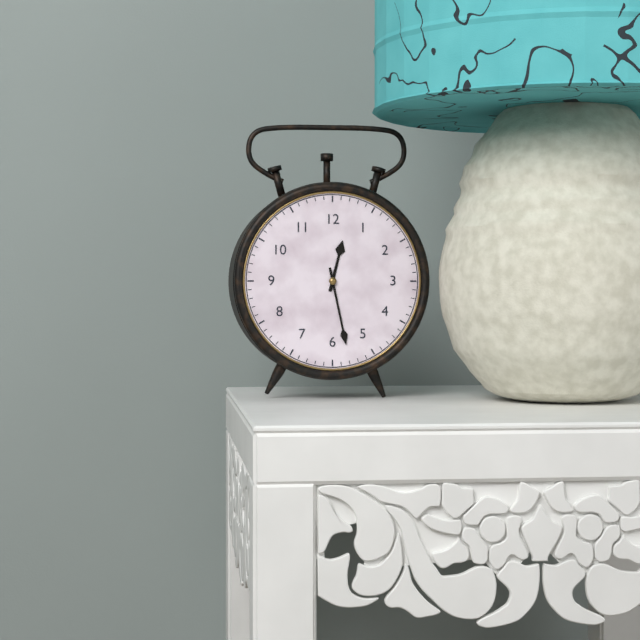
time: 12:28
